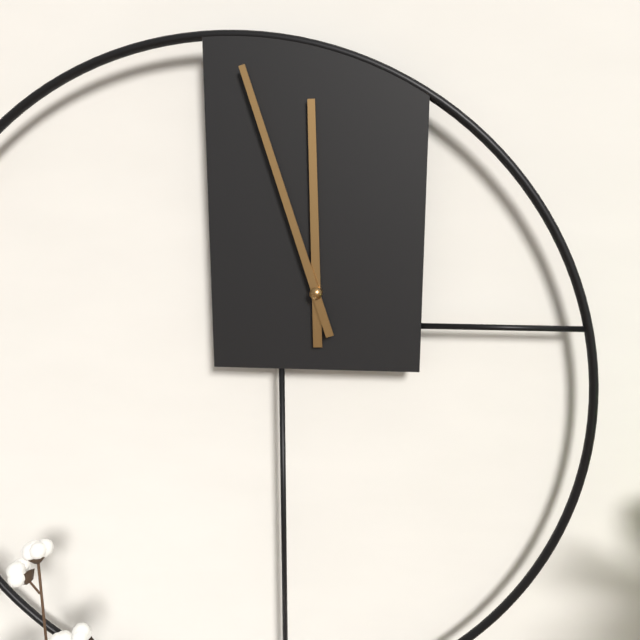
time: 11:57
